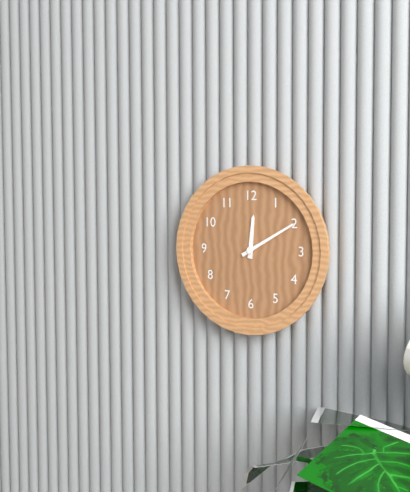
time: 12:10
